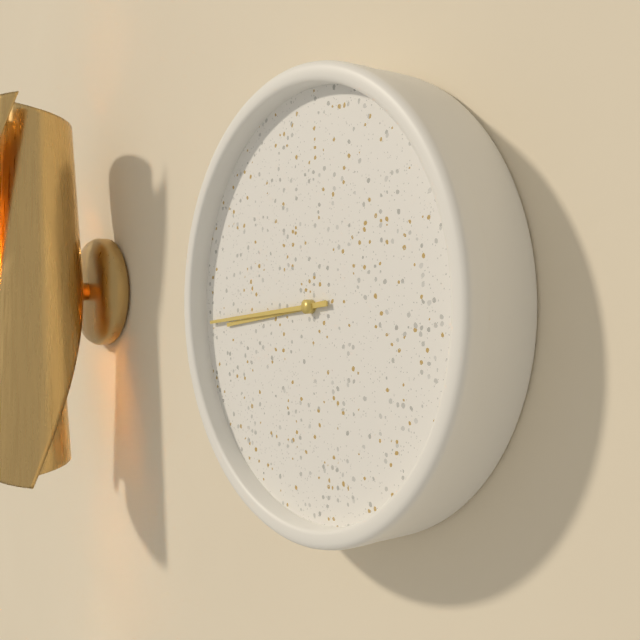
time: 8:44
